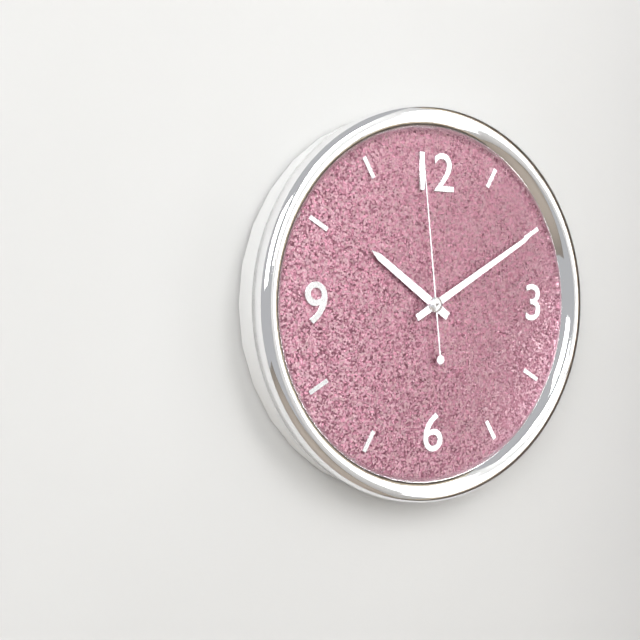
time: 10:10:59
